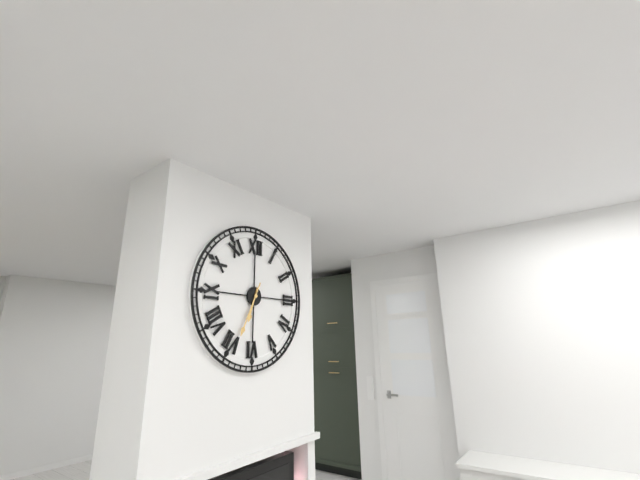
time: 6:34
